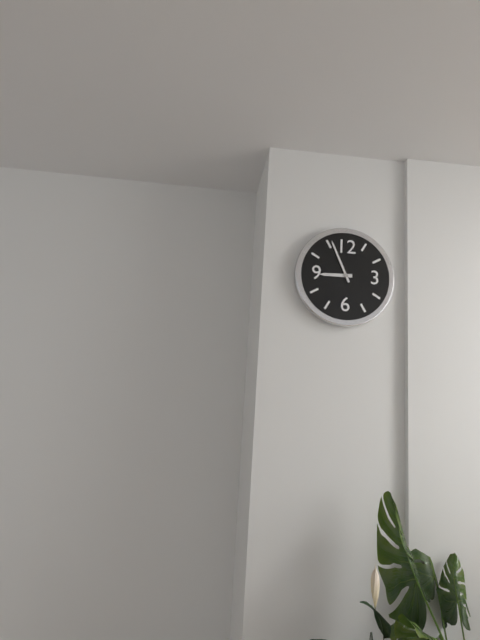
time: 8:56
